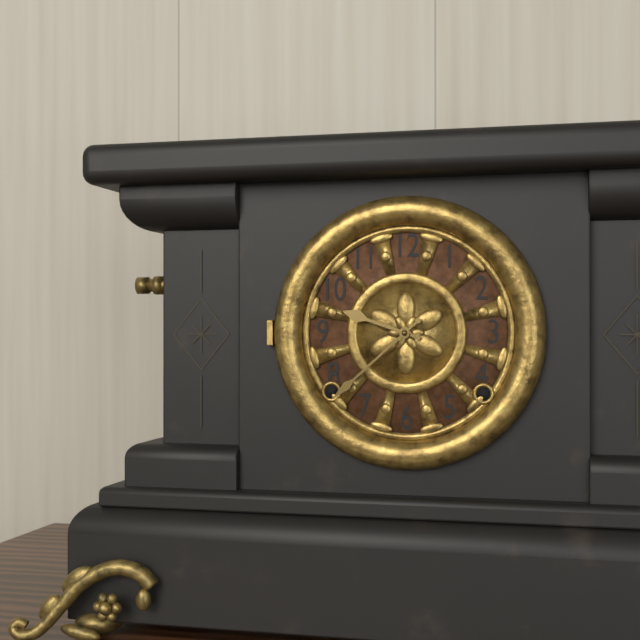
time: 9:38
